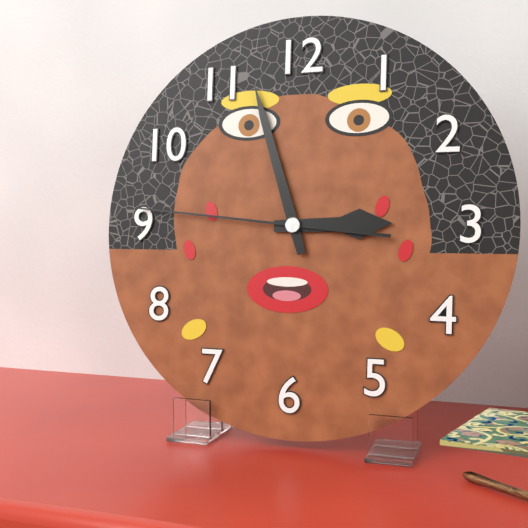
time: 2:57:46
